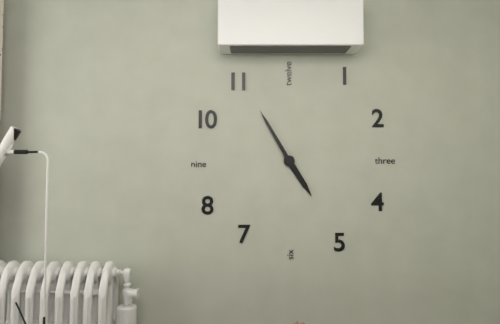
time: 4:55
